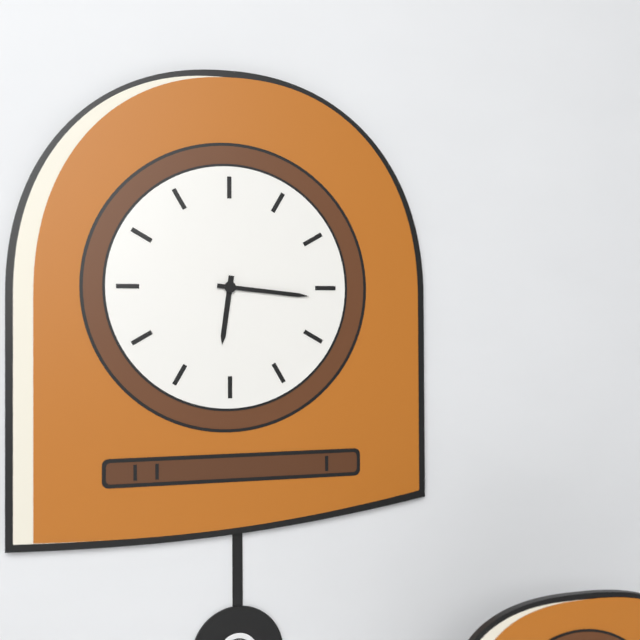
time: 6:16
